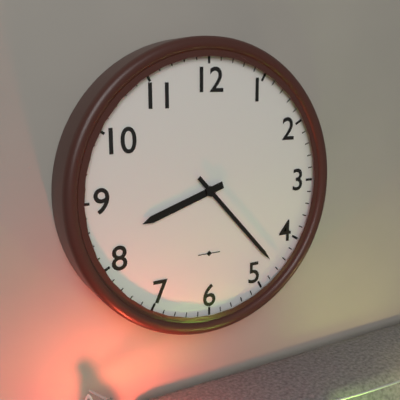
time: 8:23
